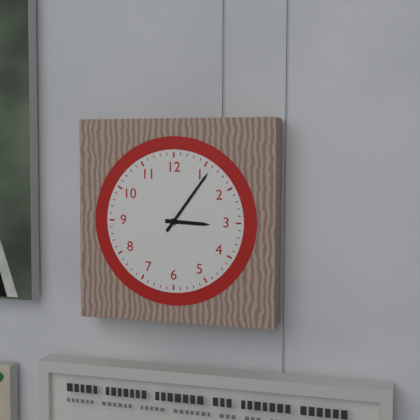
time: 3:06
